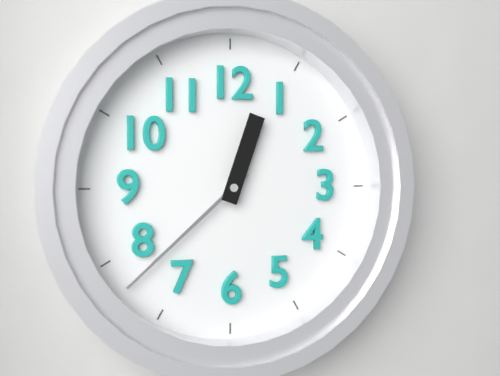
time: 12:38
